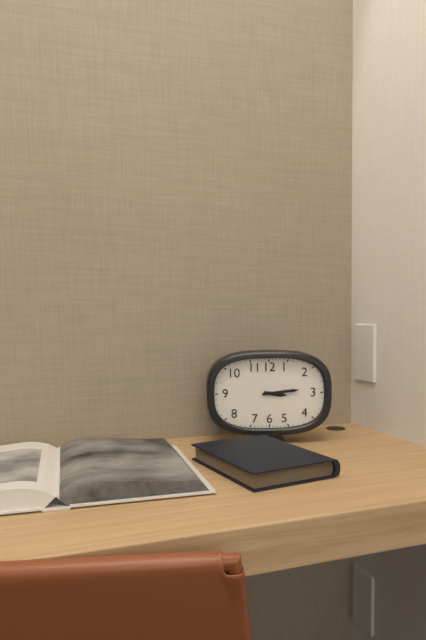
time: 3:14
